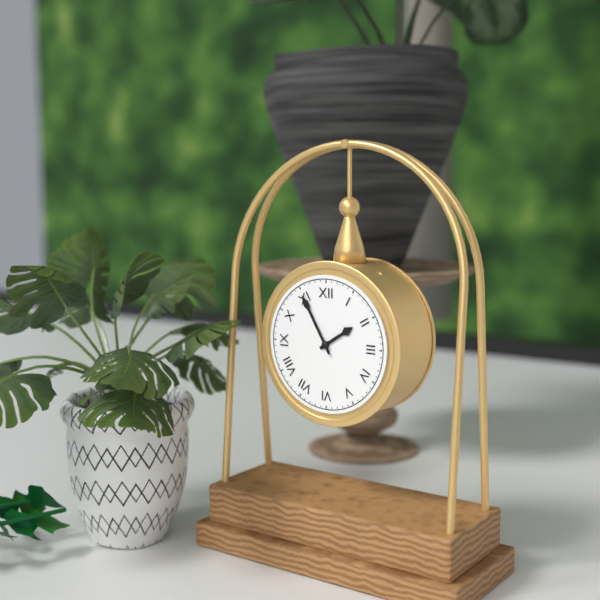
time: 1:55
